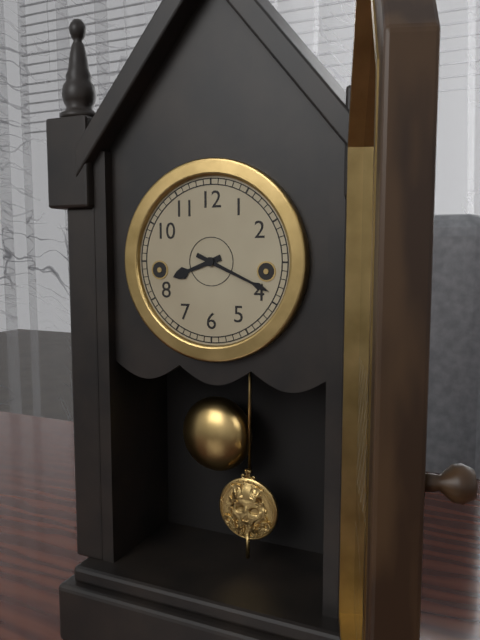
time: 8:19
